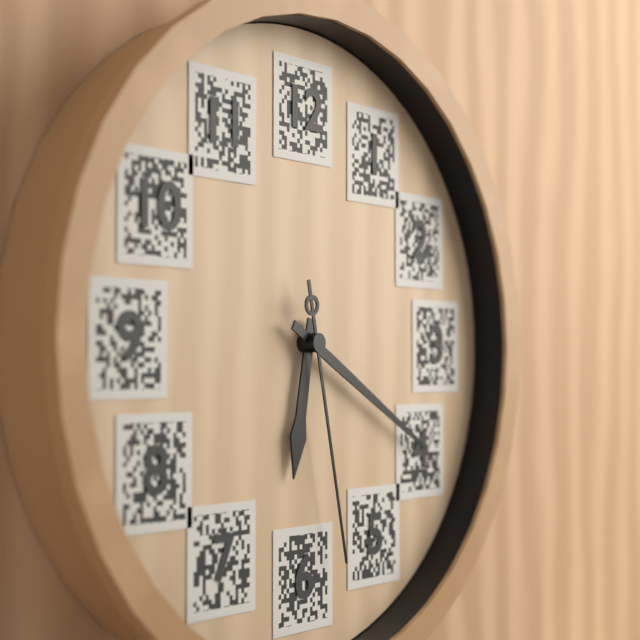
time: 6:20:28
